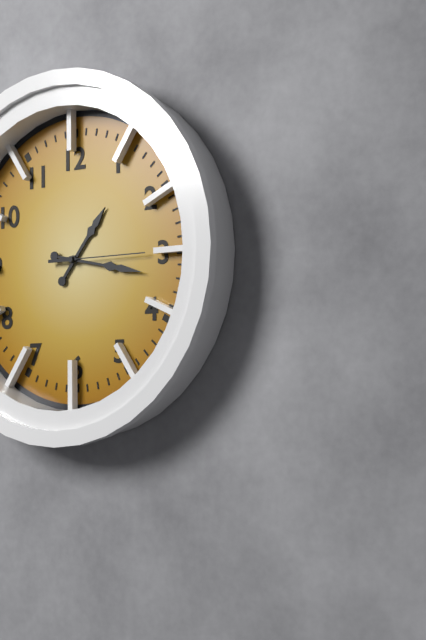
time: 1:17:15
